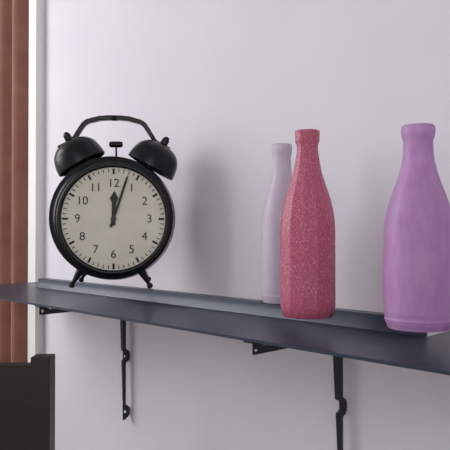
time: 12:03
